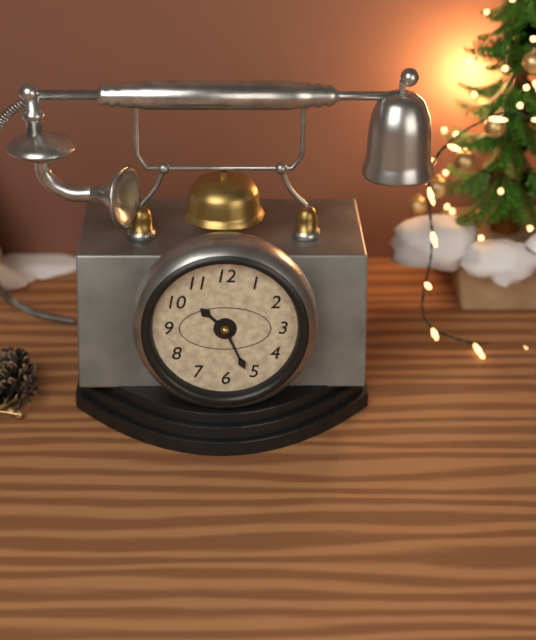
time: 10:26
